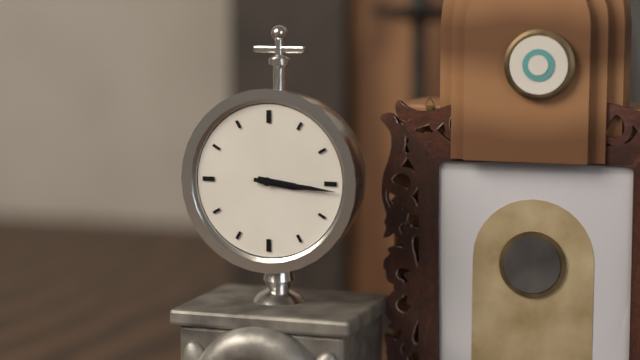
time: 3:16
